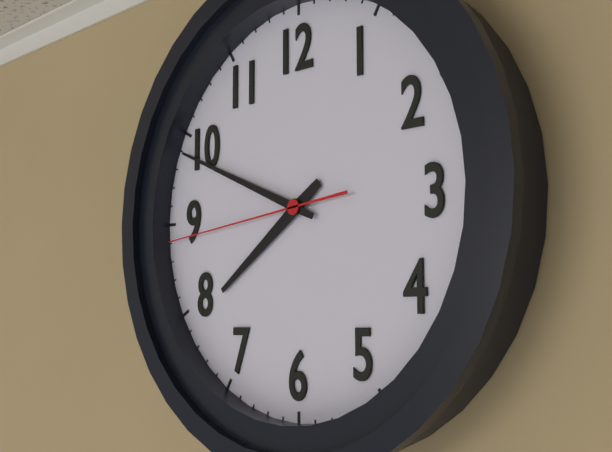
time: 7:49:44
